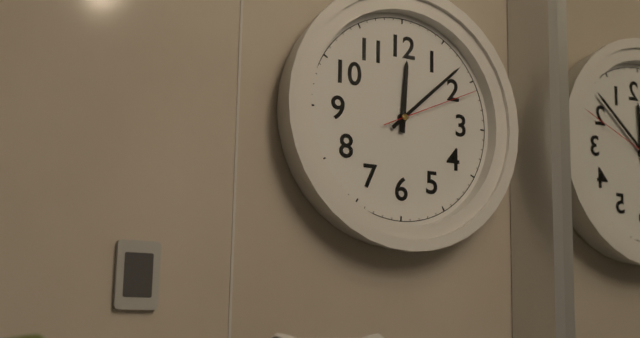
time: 12:08:11
